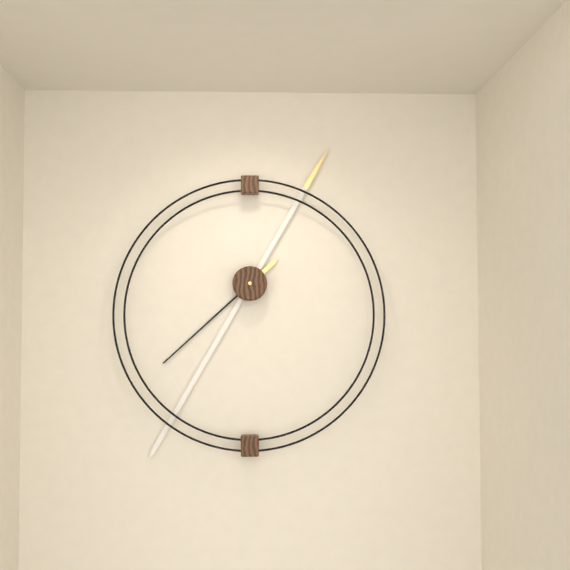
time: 7:35
